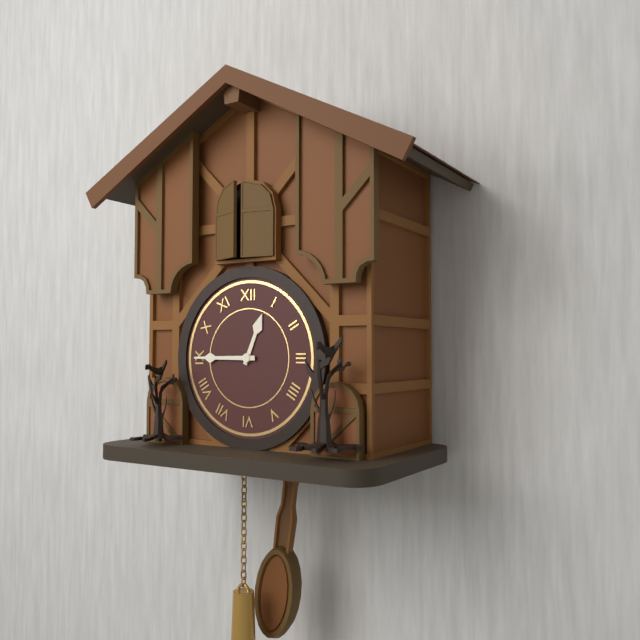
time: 12:45
